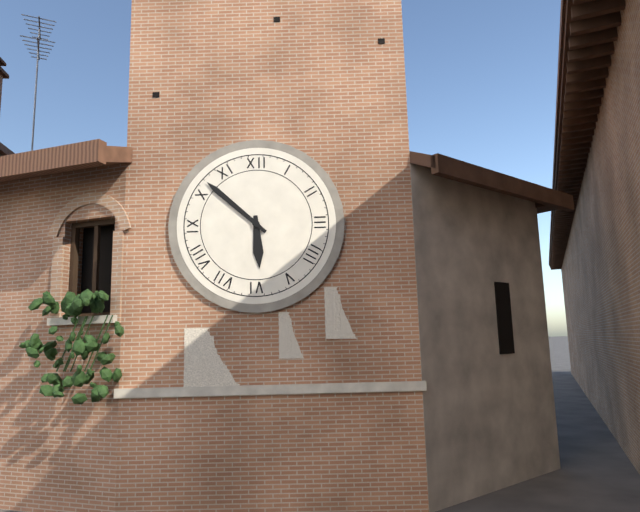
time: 5:52
